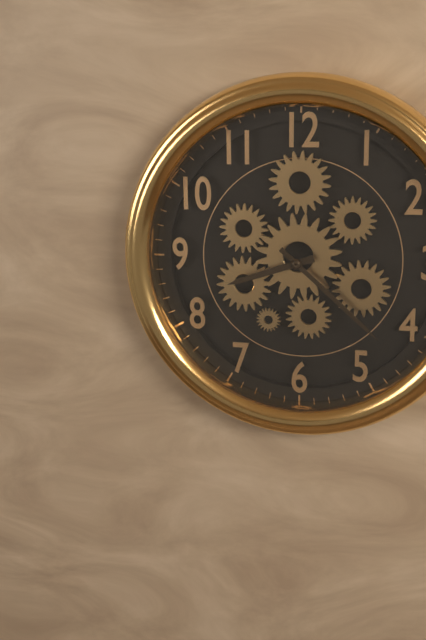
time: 8:22
